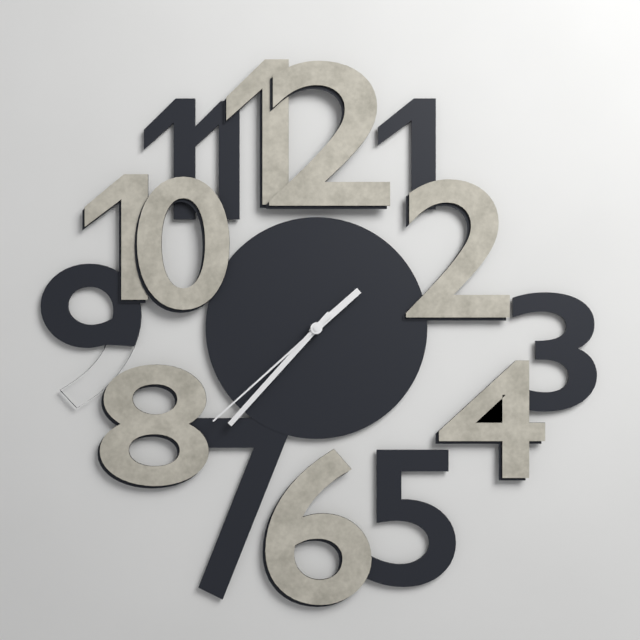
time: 1:37:38
